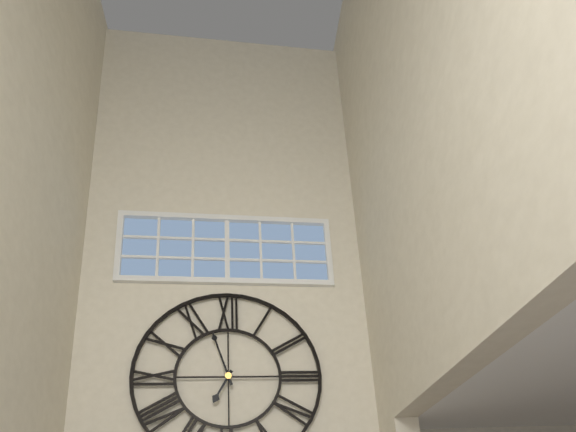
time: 6:57
